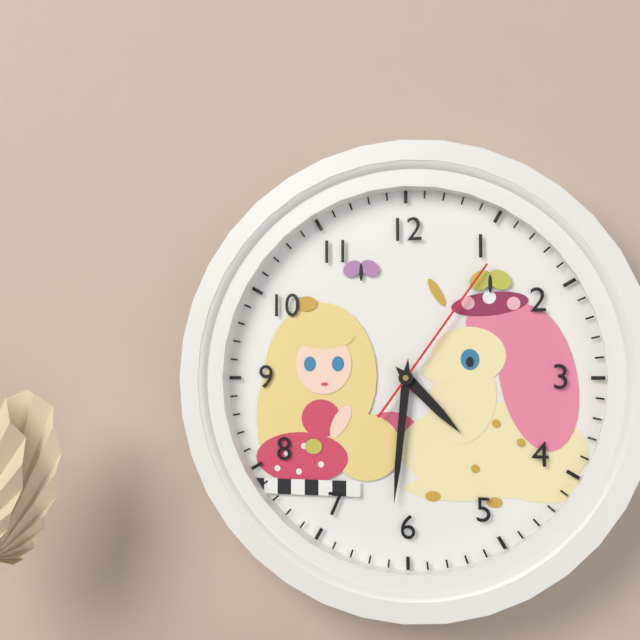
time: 4:31:06
